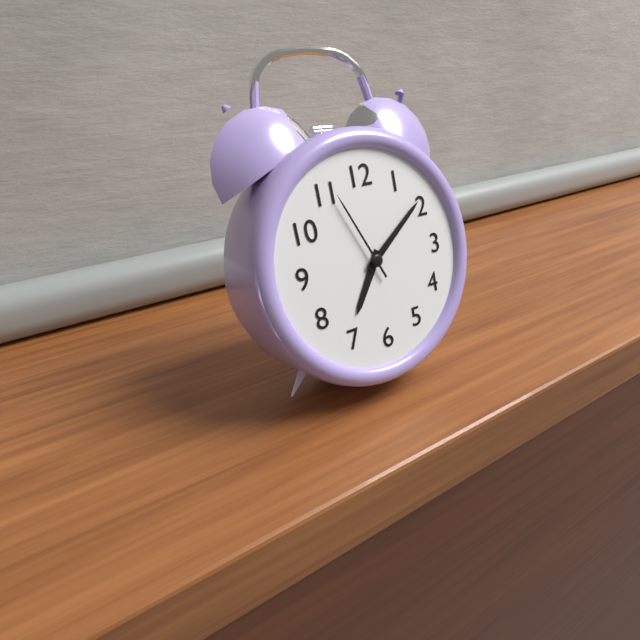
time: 7:09:56
